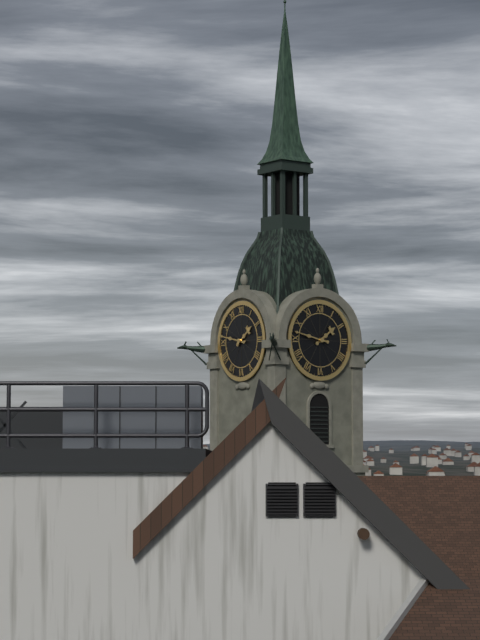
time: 1:47
